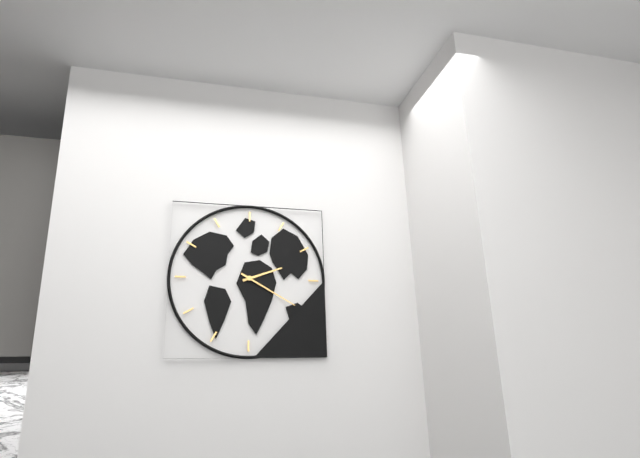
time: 2:20
